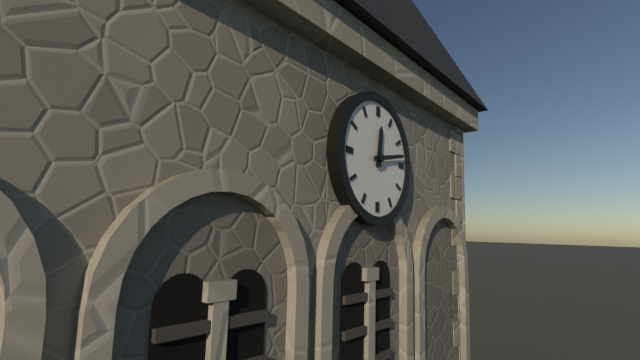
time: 12:13
